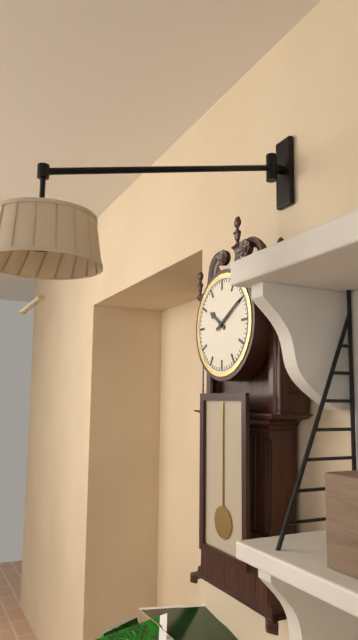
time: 10:10
